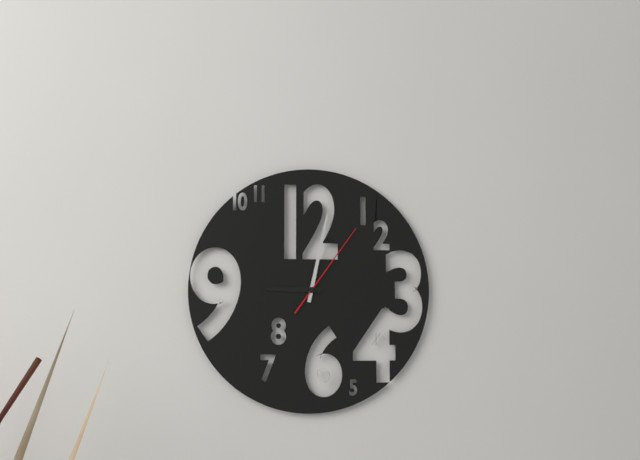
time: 9:02:06
